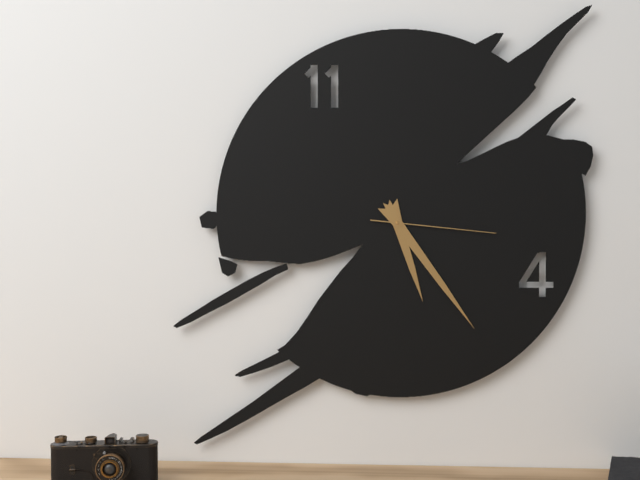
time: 5:24:16
